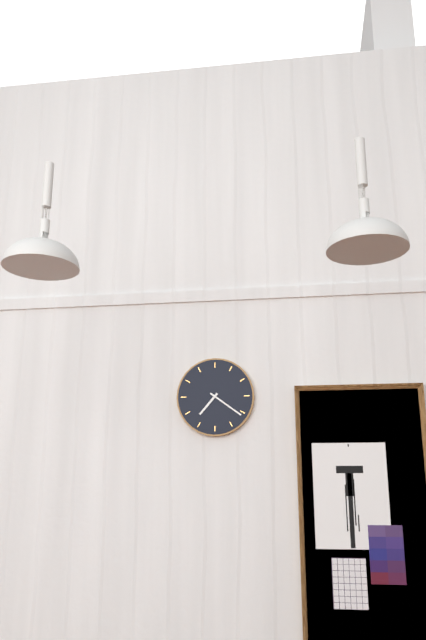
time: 7:21
